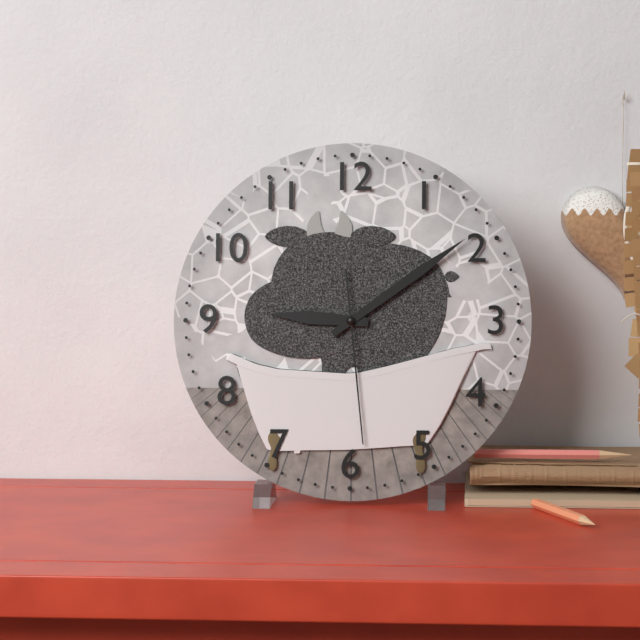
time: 9:09:29
